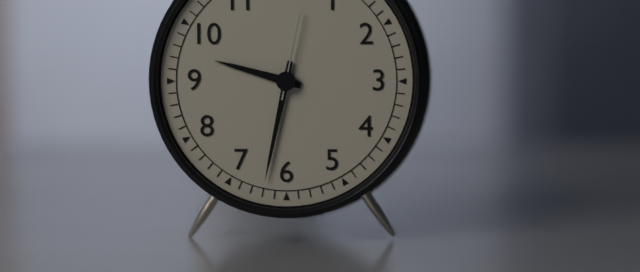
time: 9:32:02
